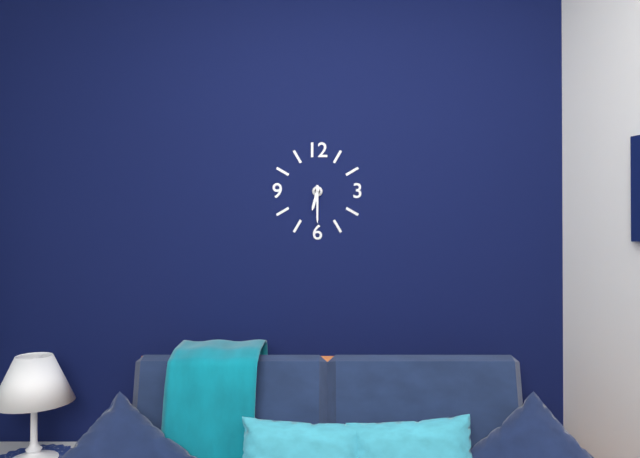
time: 6:30
